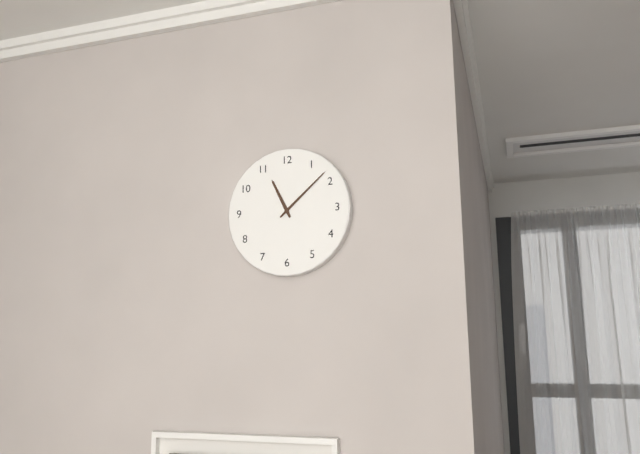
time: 11:08
